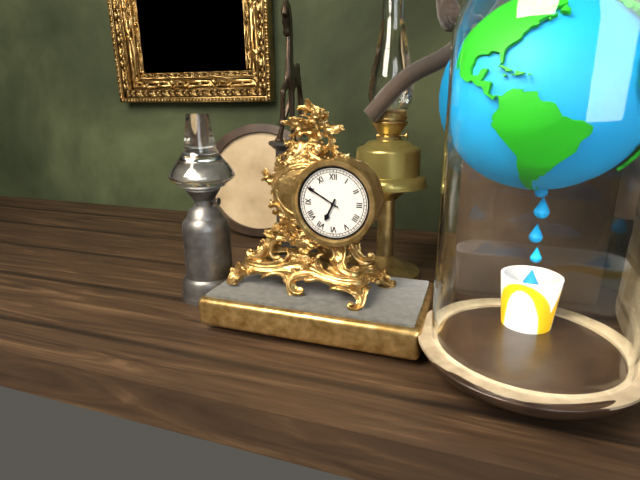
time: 6:50
